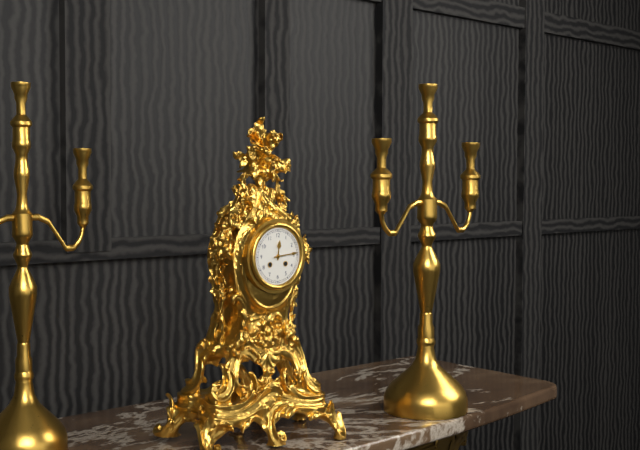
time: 12:14
